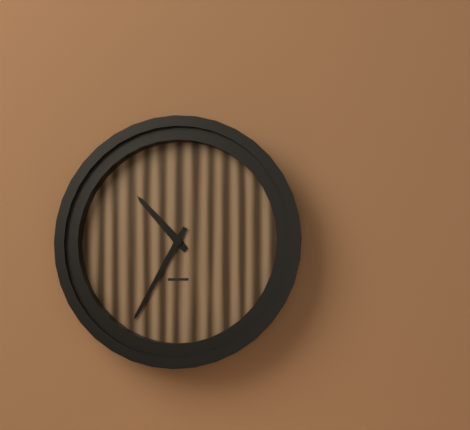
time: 10:35
